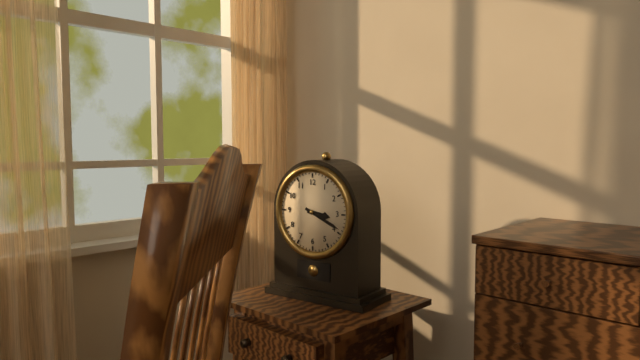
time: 3:19
